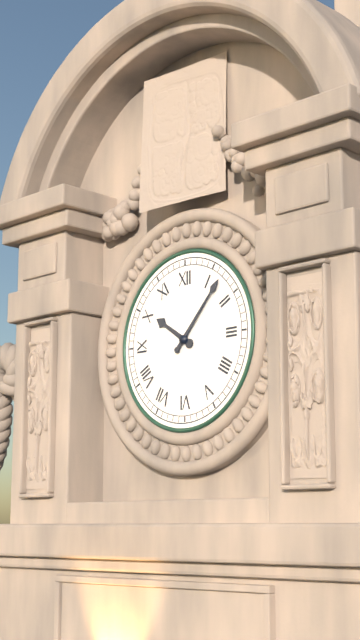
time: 10:07
